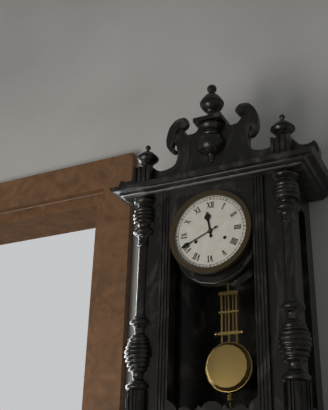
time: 11:41
